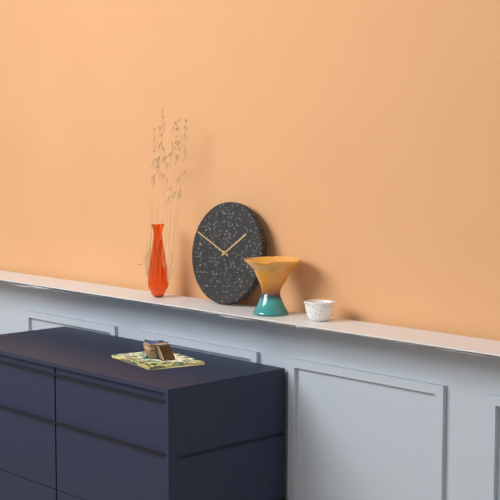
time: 1:49
